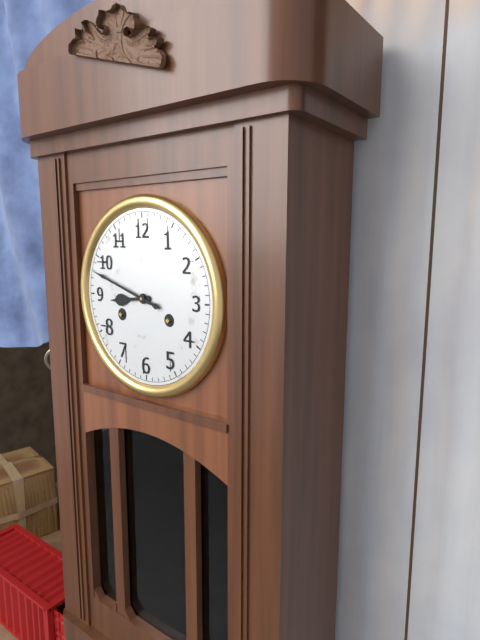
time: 8:48
